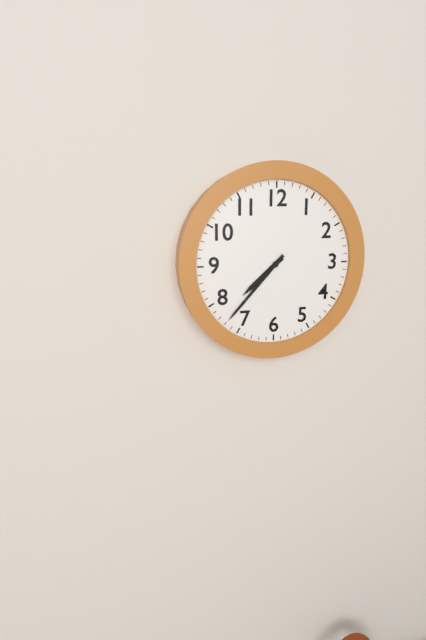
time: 7:37
